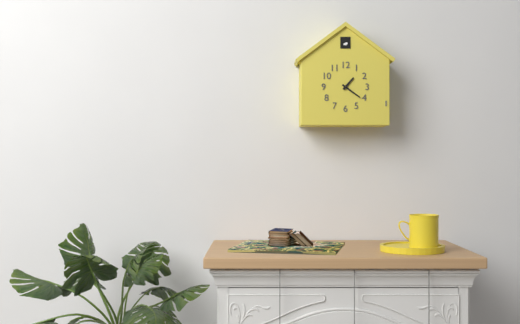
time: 1:21
